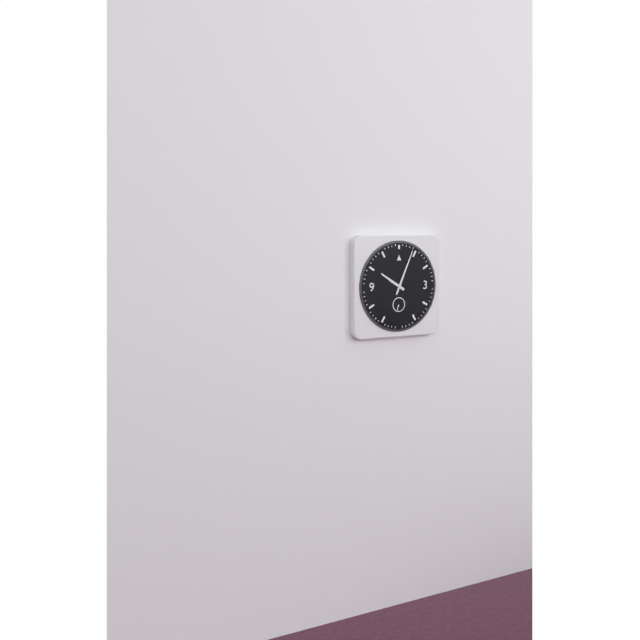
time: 10:04
